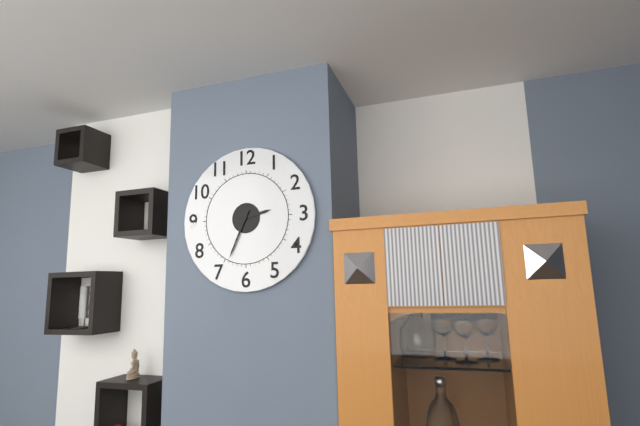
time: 2:34
